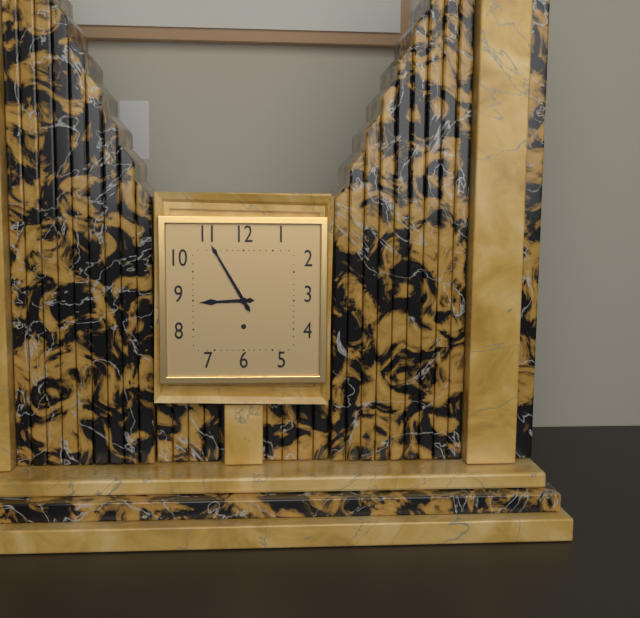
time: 8:55
